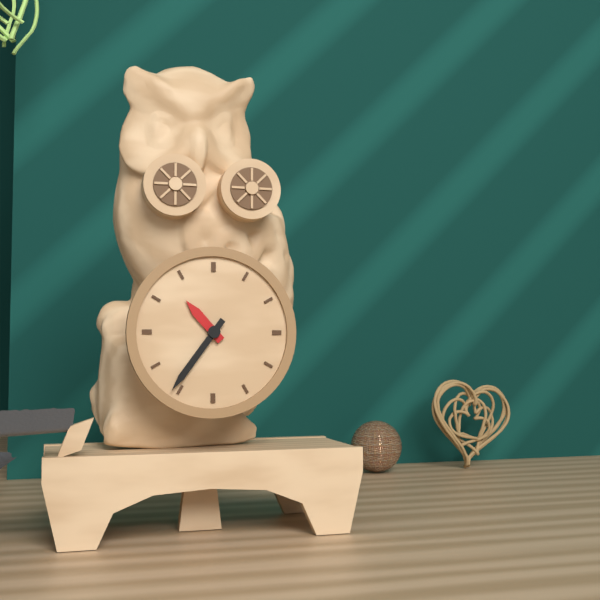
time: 10:36
